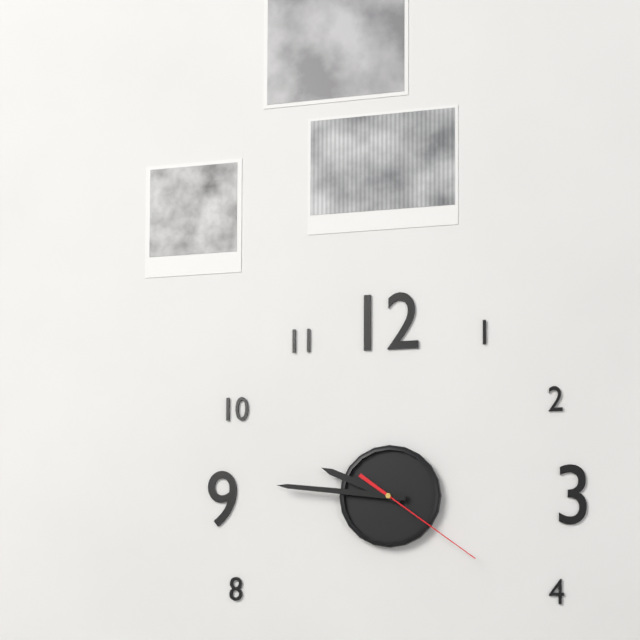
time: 9:46:21
